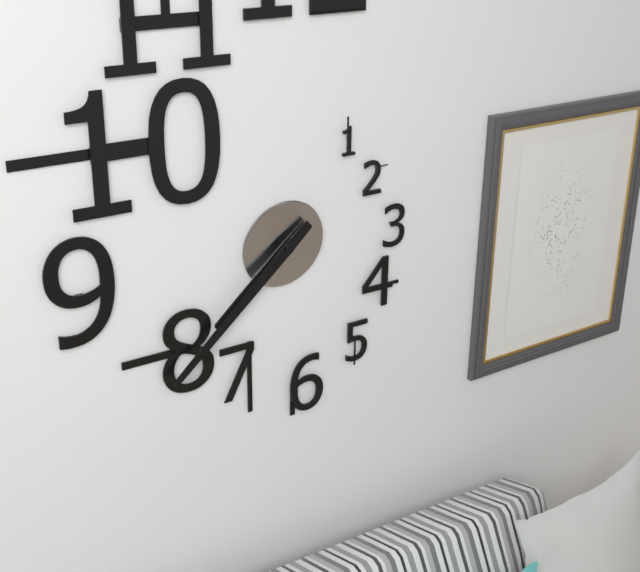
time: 7:38
